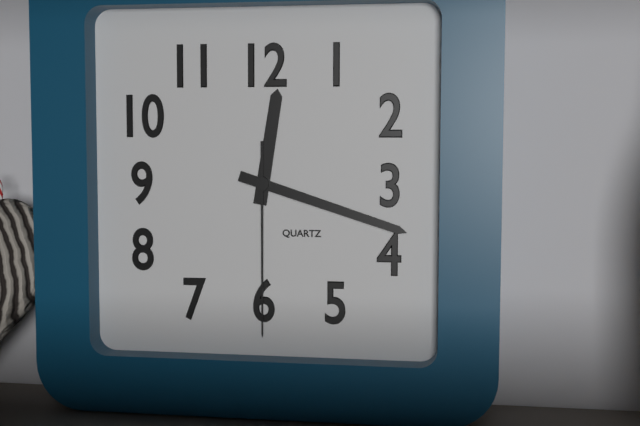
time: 12:18:30
